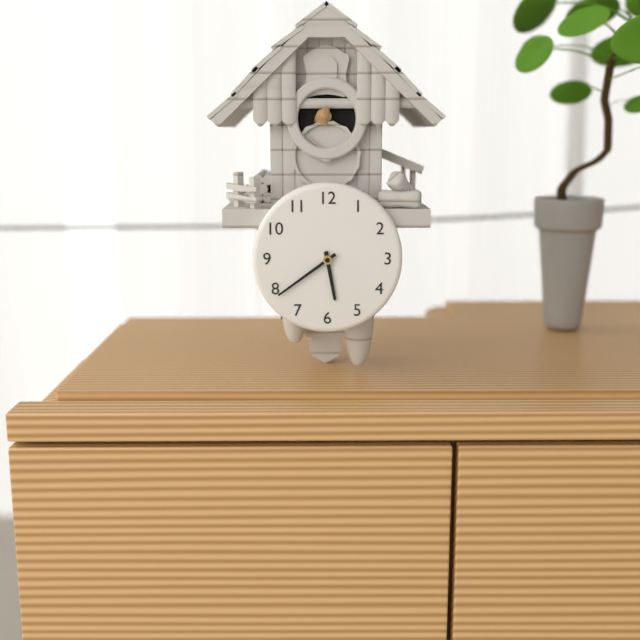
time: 5:39
